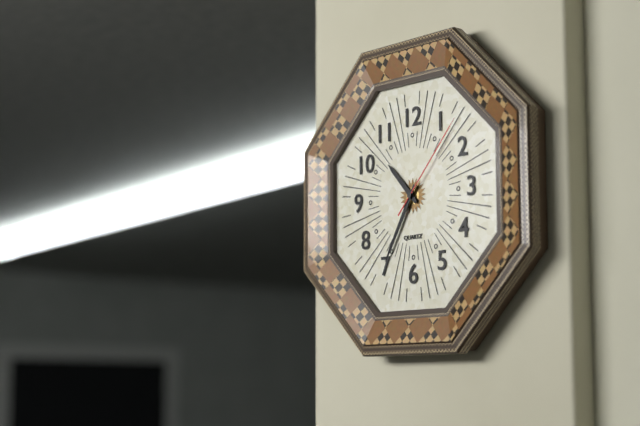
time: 10:35:07
